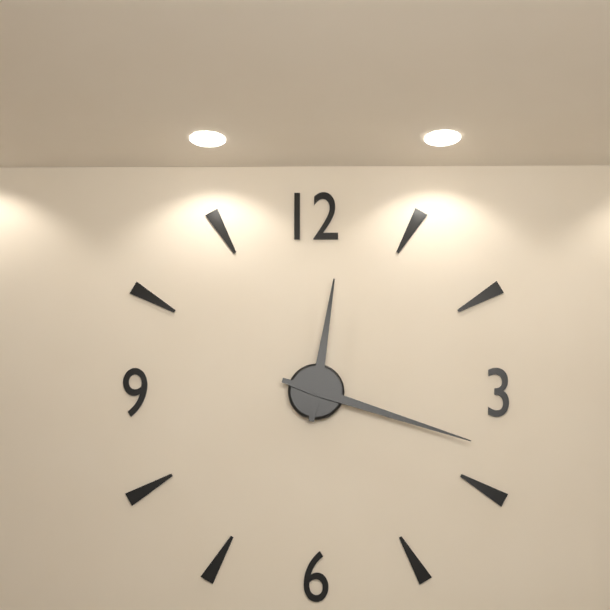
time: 12:18
